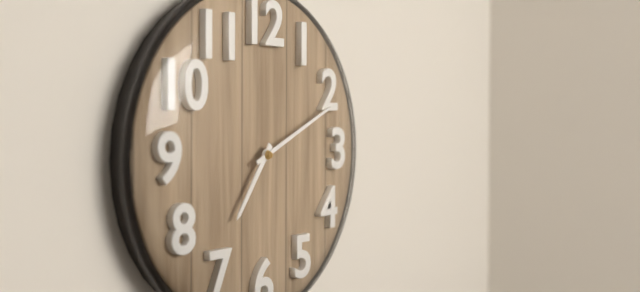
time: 7:11
